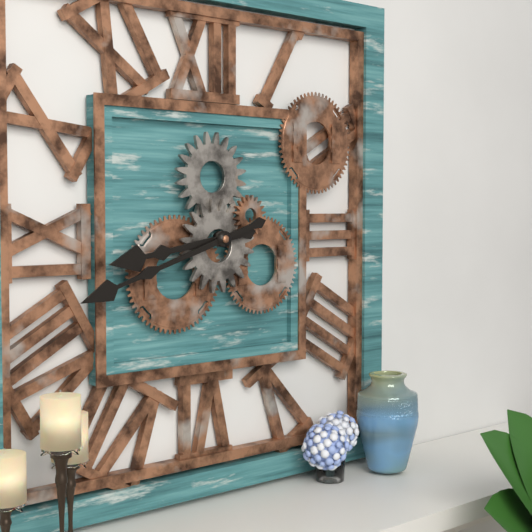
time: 8:42
